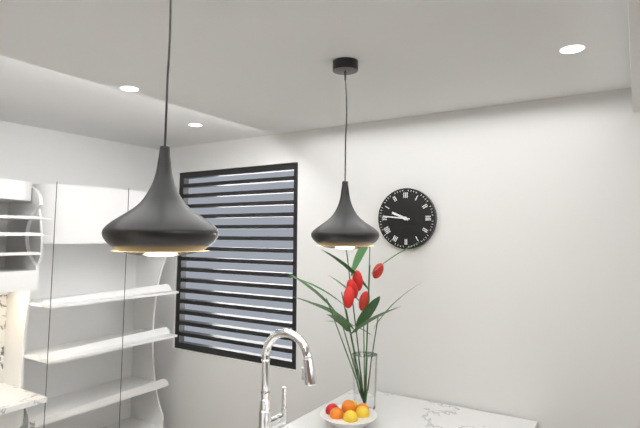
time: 9:46
